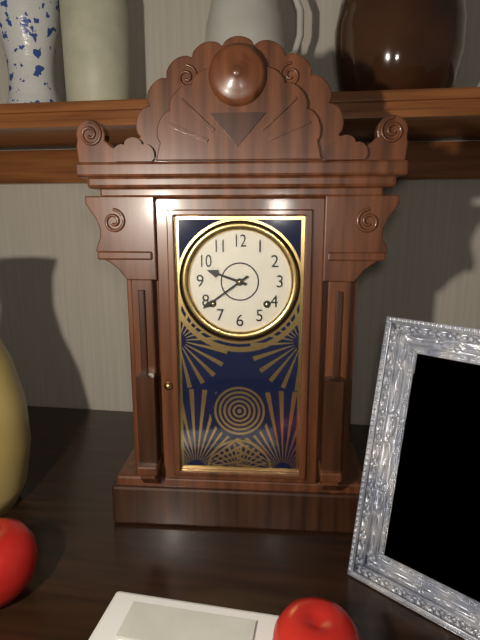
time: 9:39
